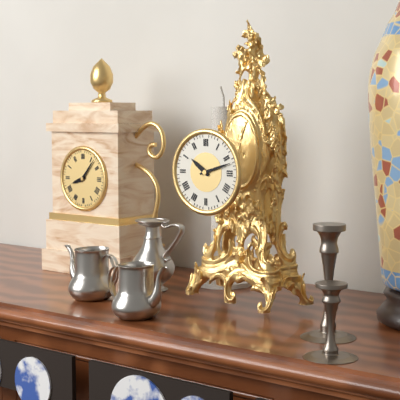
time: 10:12
